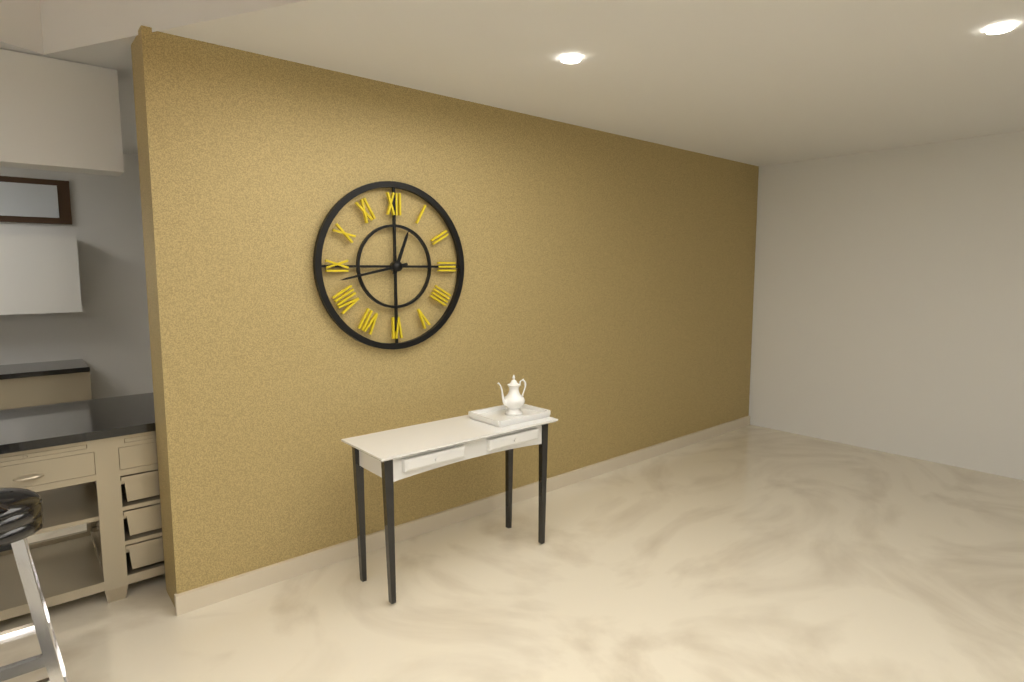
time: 12:43
